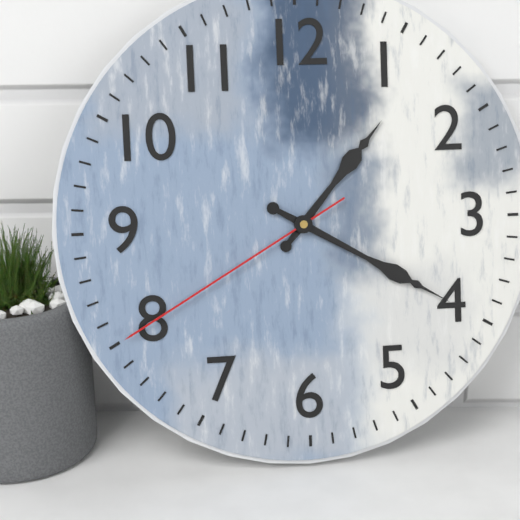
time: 1:20:40
